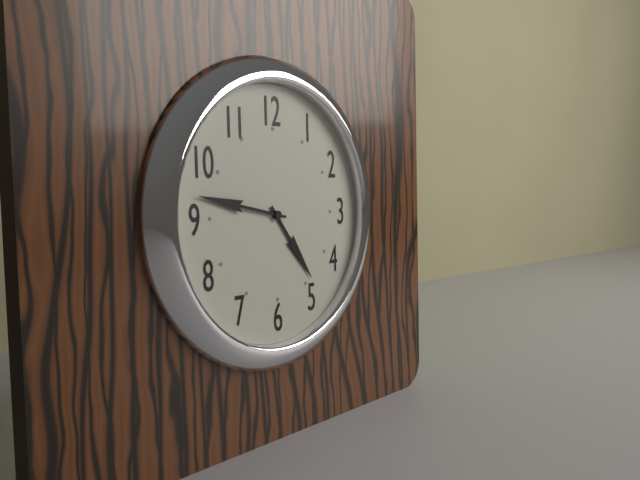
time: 4:47
